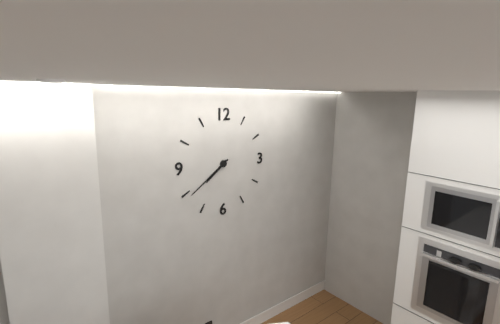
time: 7:39
